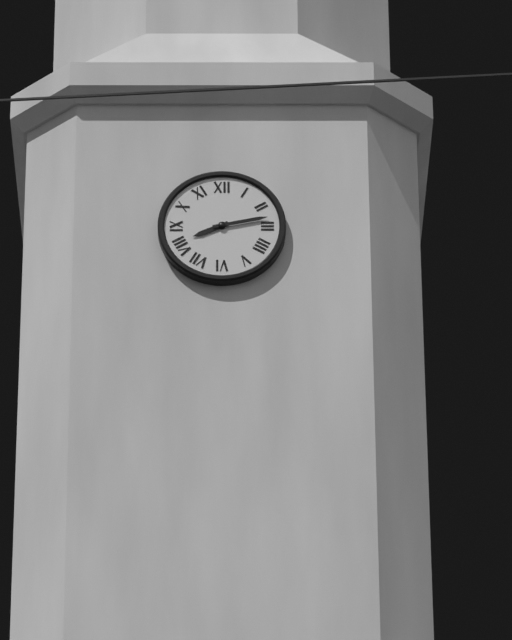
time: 8:13
